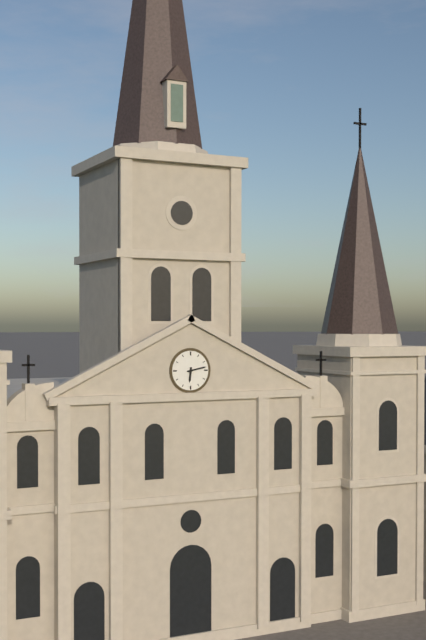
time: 6:13
